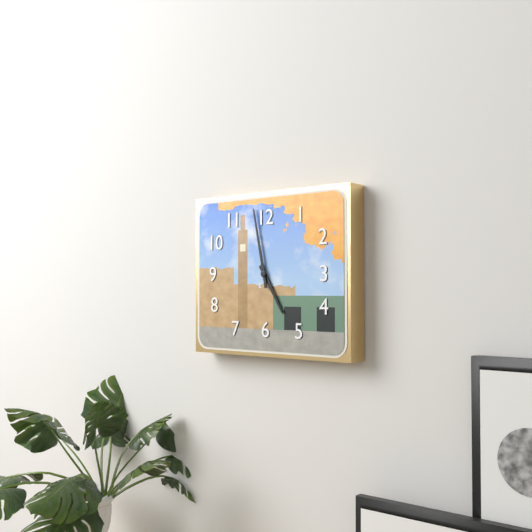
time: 4:58
